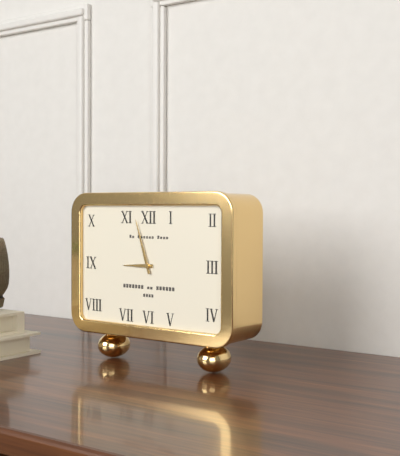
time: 8:57
